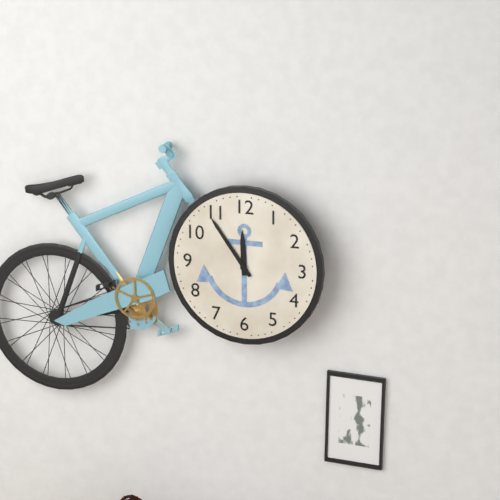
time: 11:54
